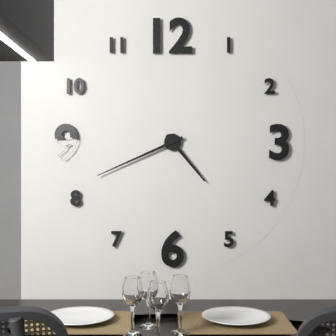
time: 4:41
